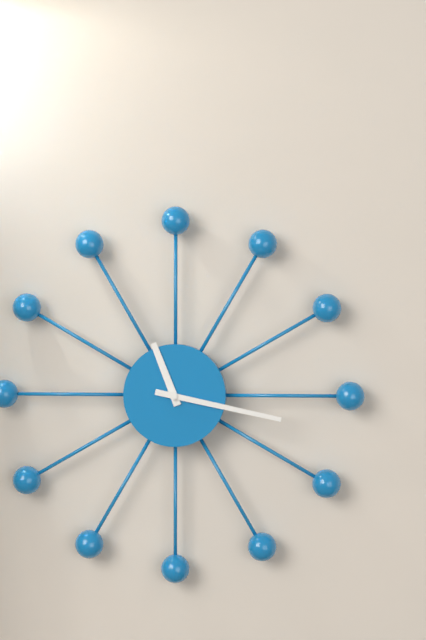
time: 11:17
